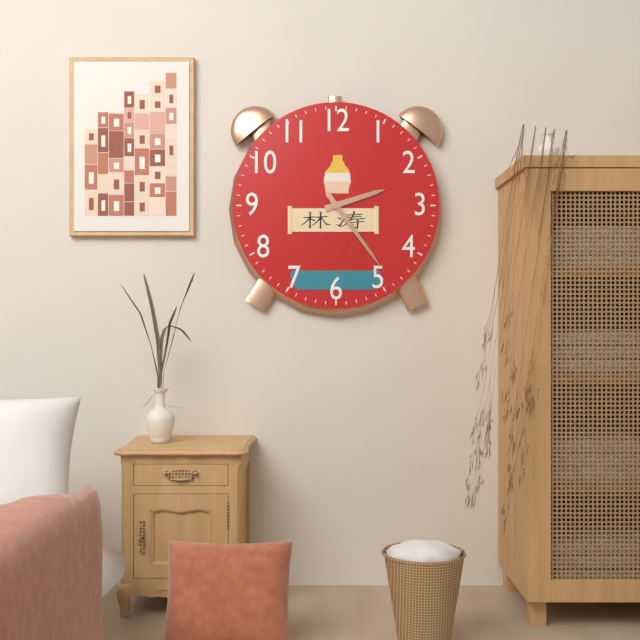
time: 2:24
